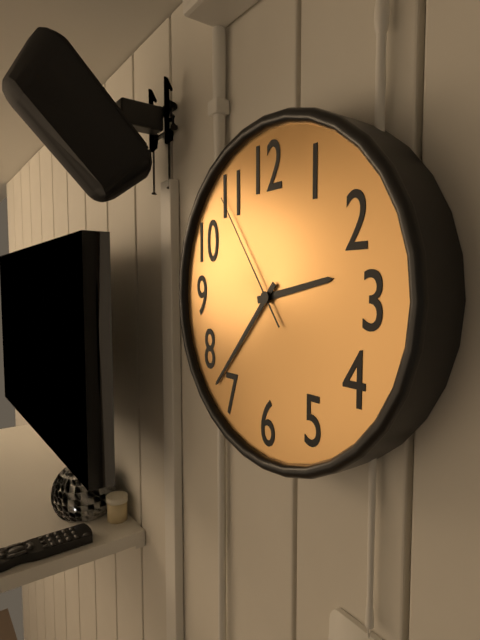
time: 2:37:54
